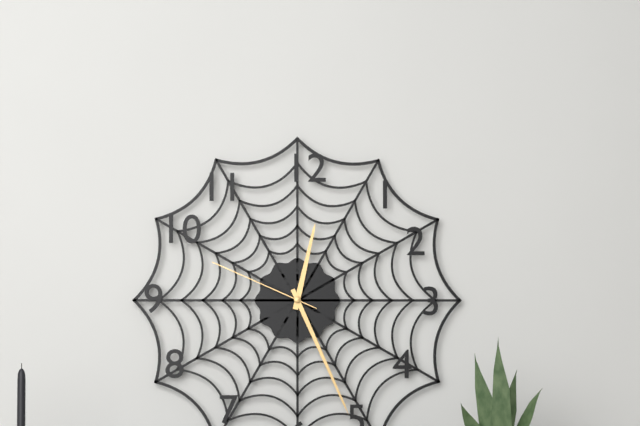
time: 12:26:49
